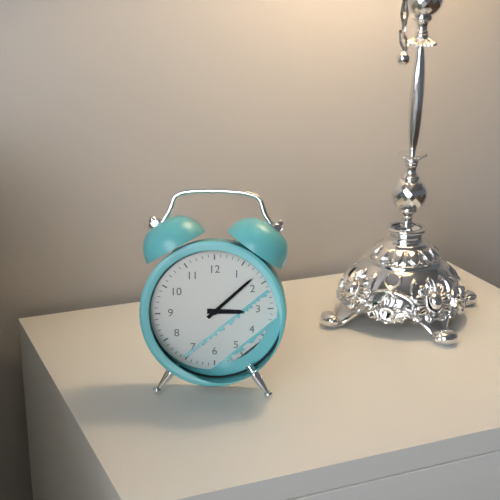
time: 3:08
